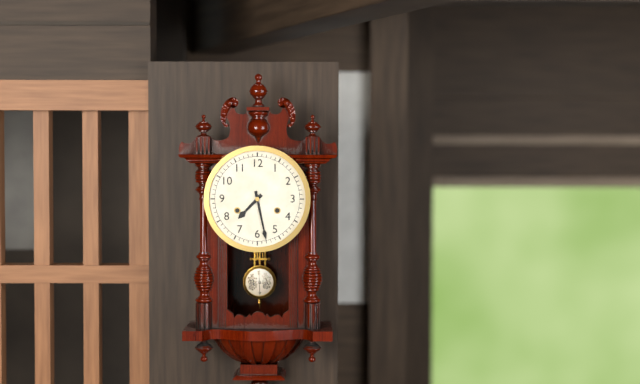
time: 7:28
